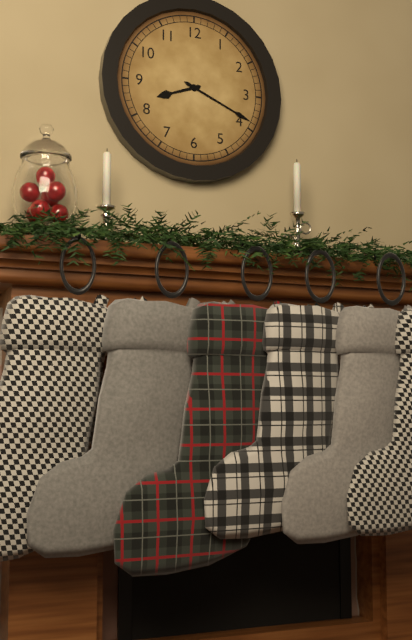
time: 8:19
